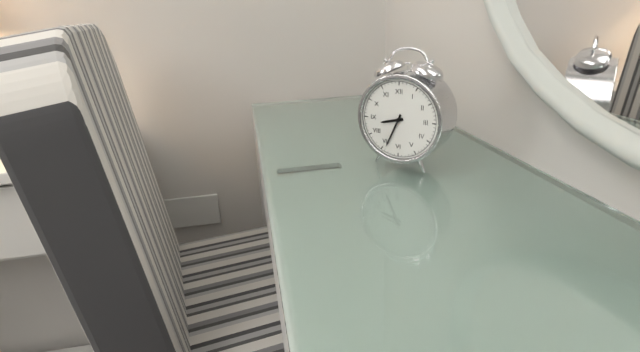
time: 8:34
